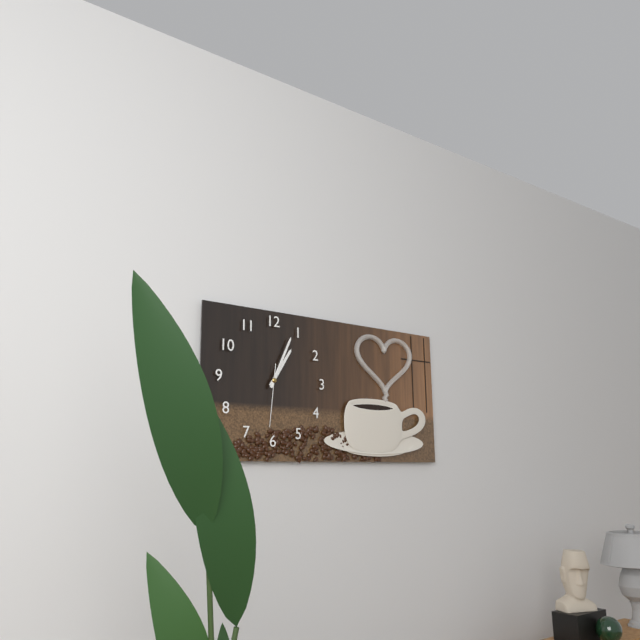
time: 1:04:31
